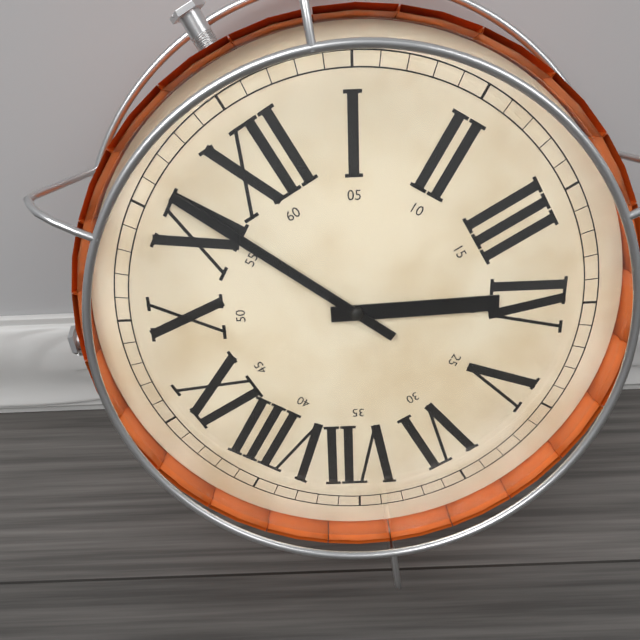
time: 3:56
